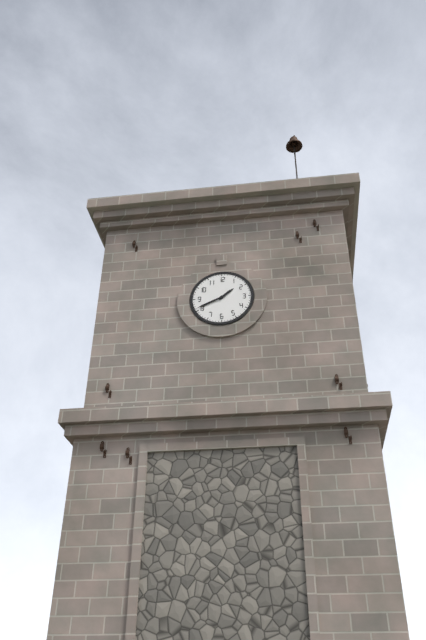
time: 1:41
